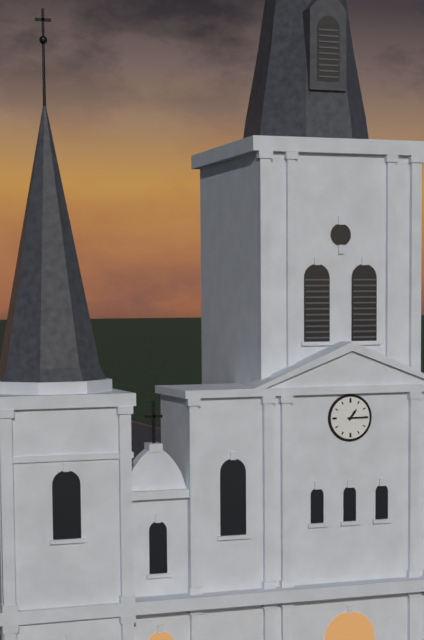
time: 1:15
